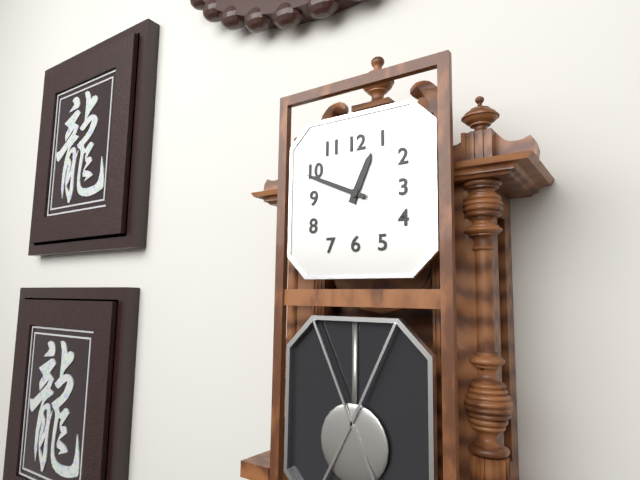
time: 12:49
